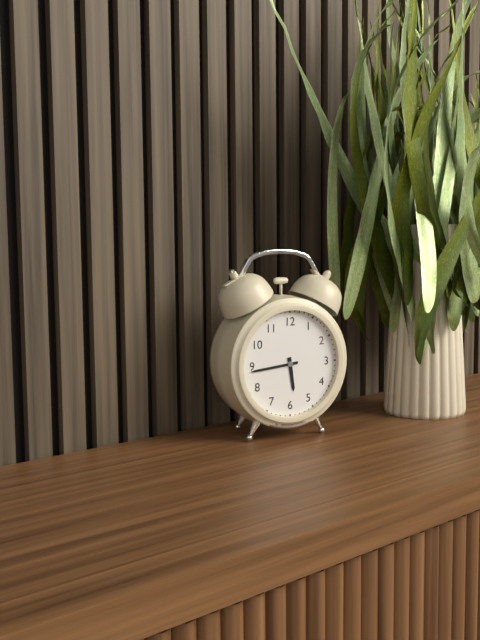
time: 5:44
